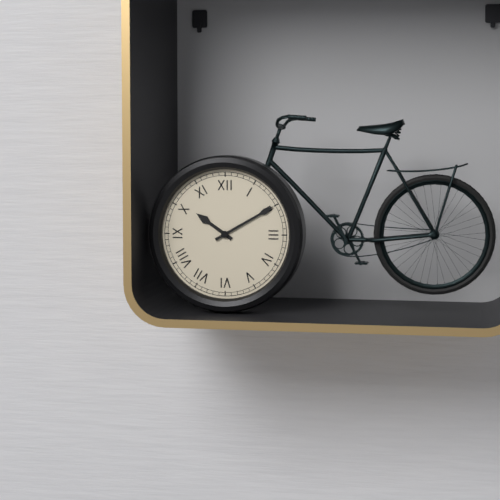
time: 10:10
